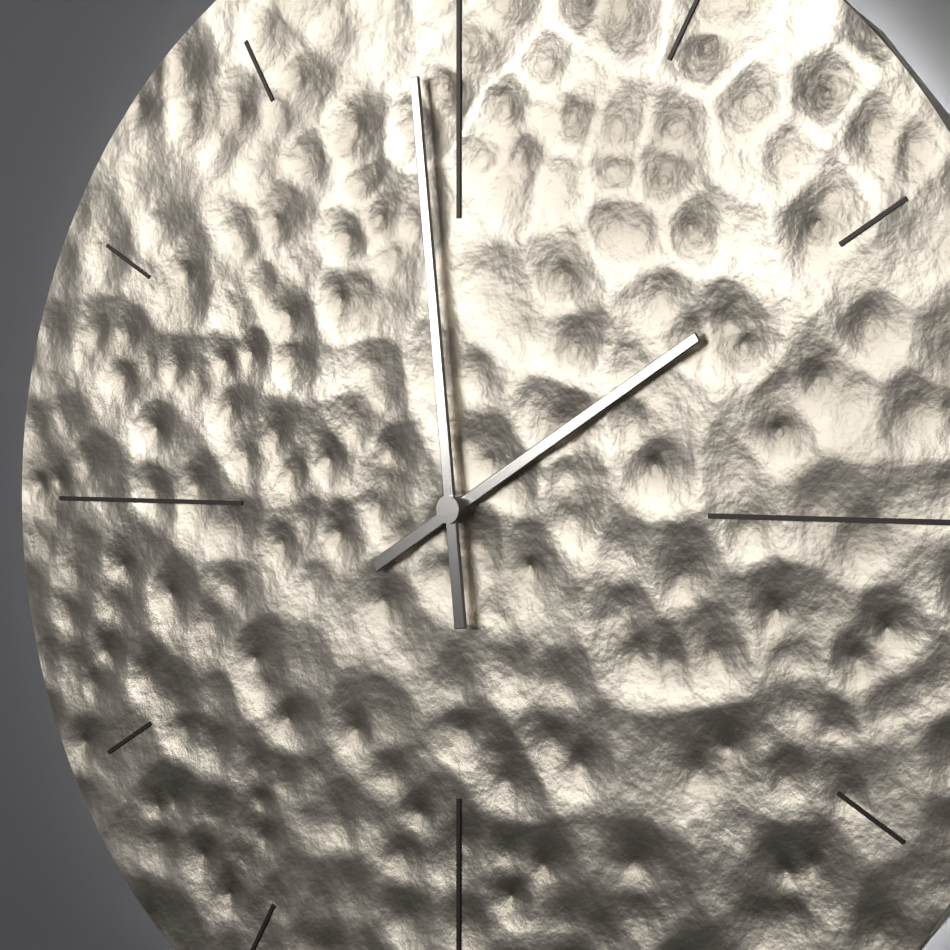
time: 1:59
